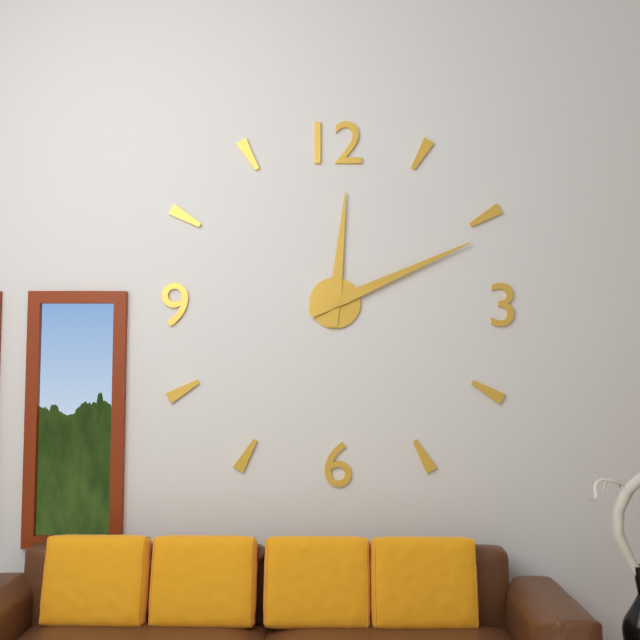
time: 12:11
